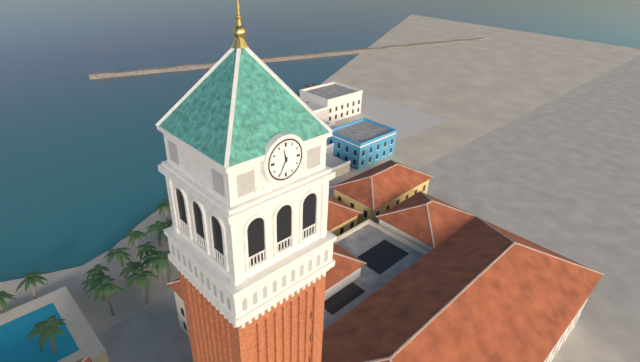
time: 11:35
